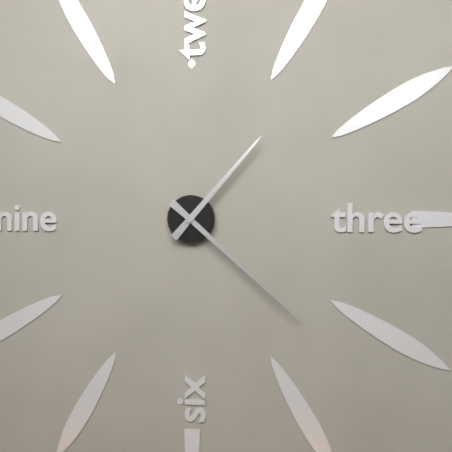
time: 1:22
